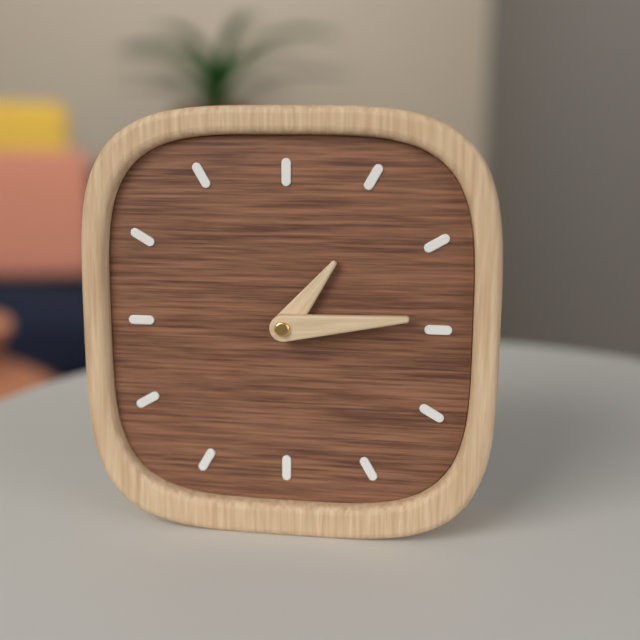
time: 1:14
